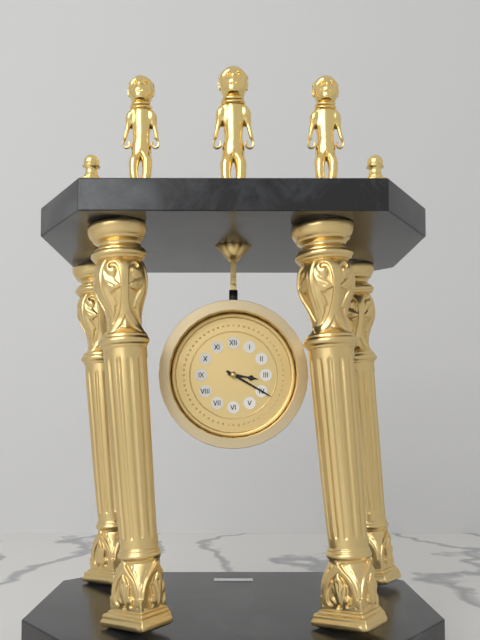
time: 3:20
